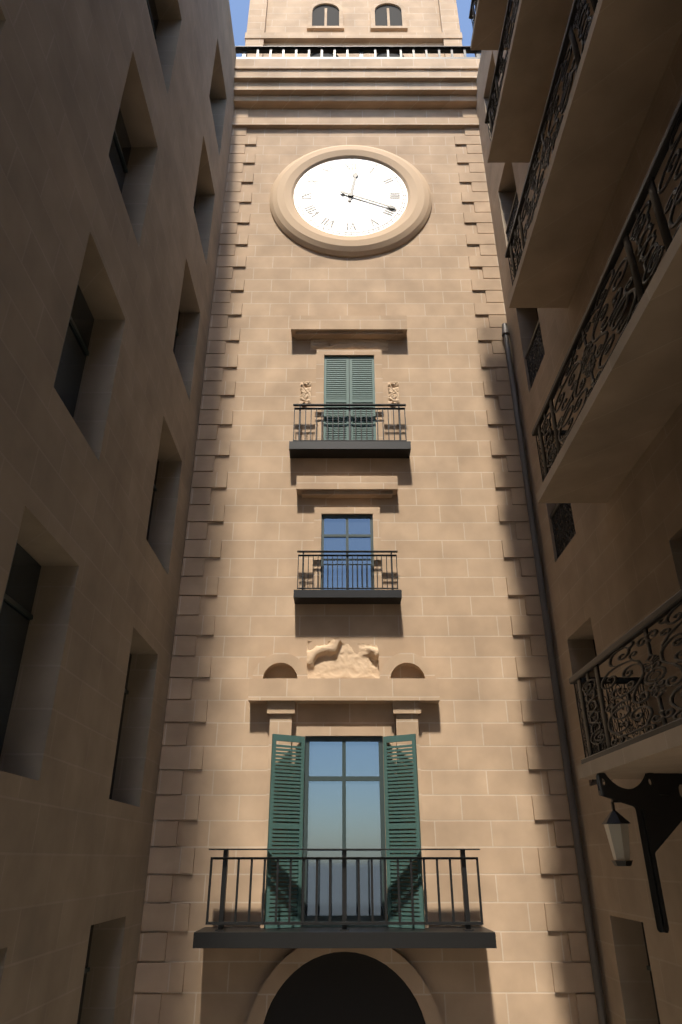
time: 12:19
